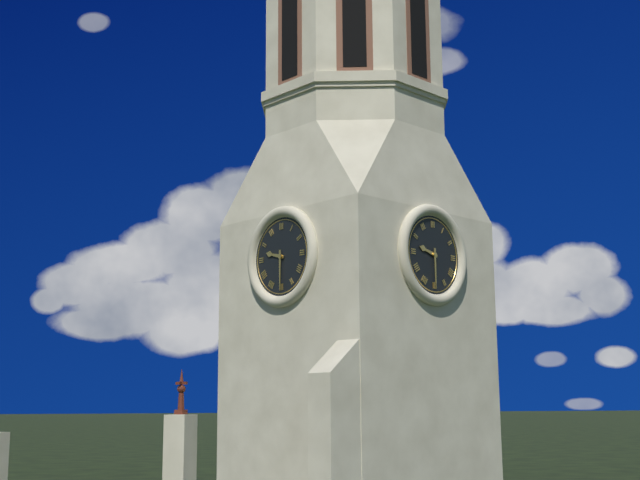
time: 9:30
